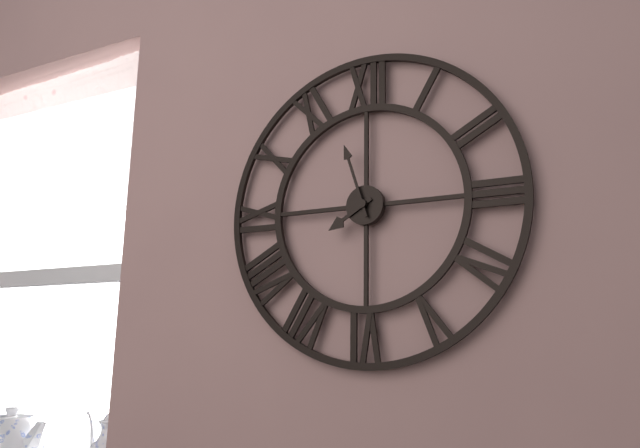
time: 7:57
